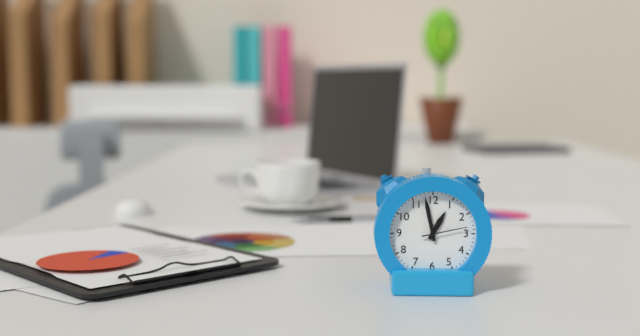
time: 12:58
